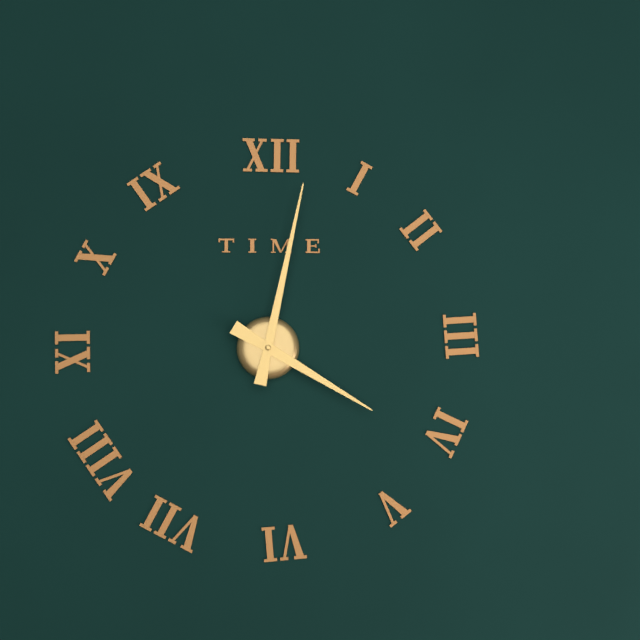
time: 4:02
